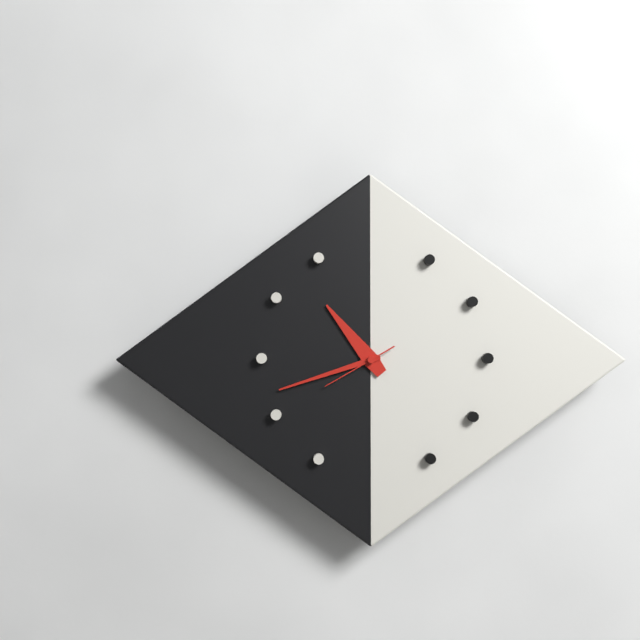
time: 10:42:40
